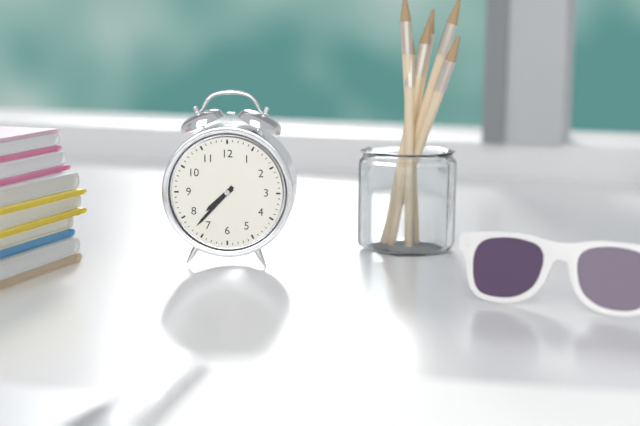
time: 7:37
